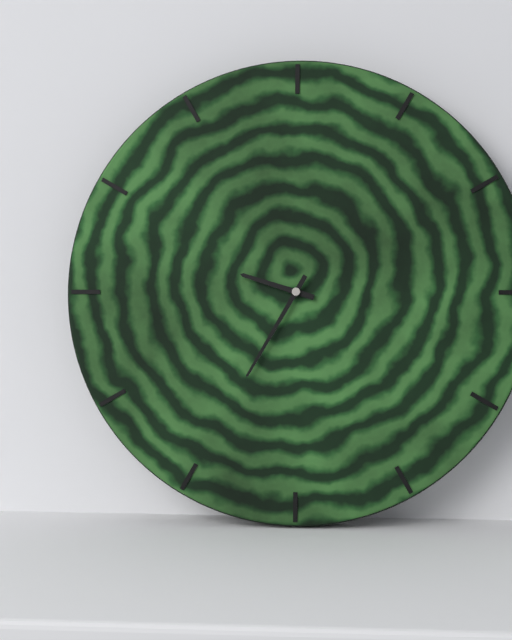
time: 9:35
